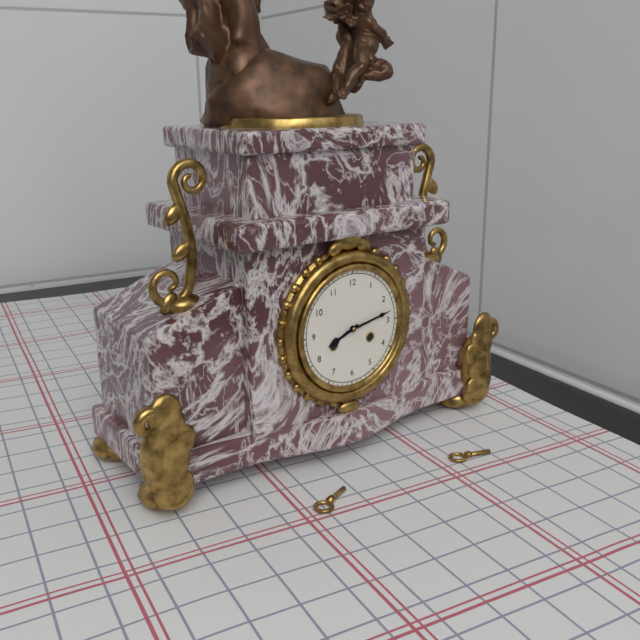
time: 8:13
